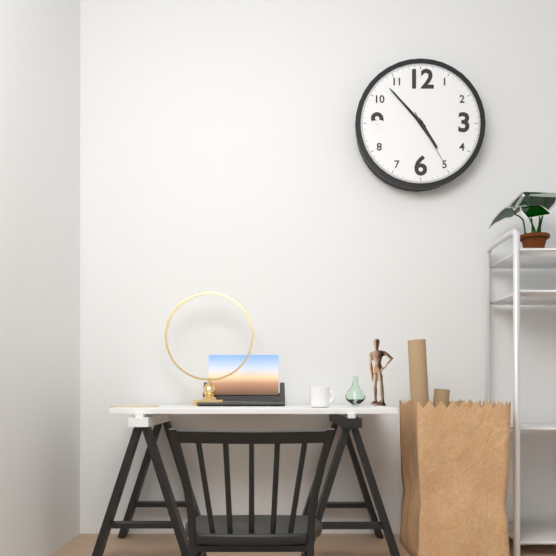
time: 4:53:25
